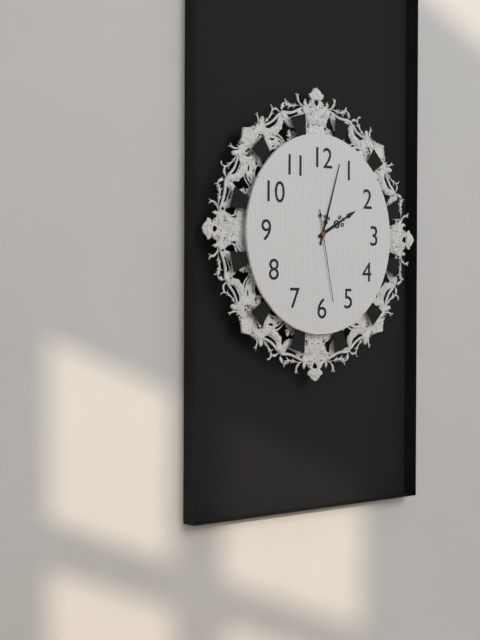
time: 2:03:28
